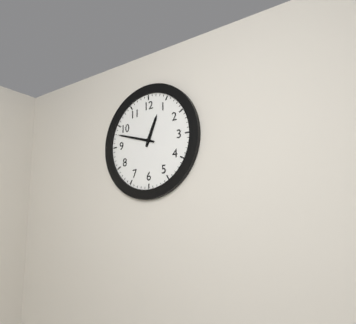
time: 12:48
